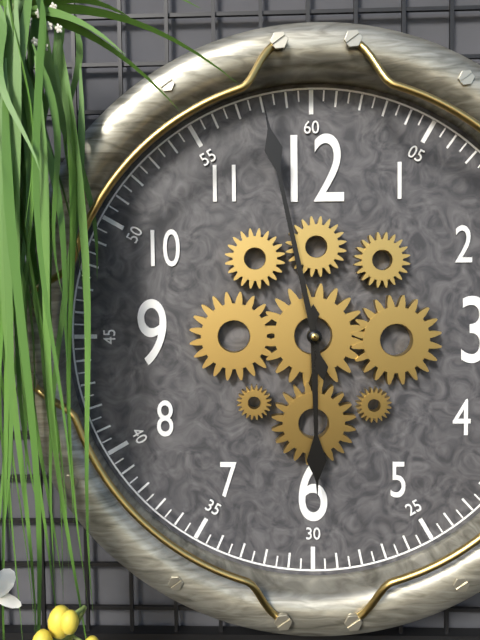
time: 5:58
